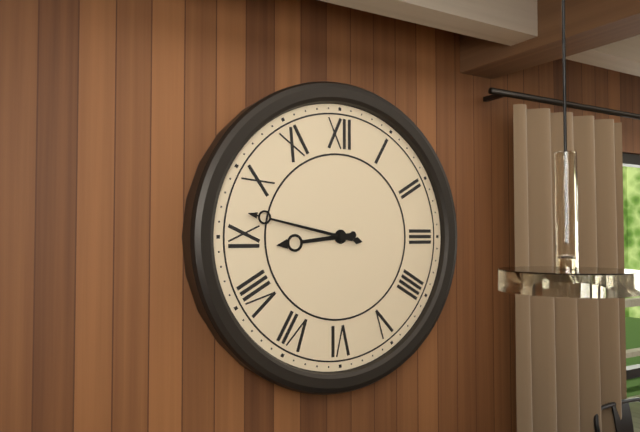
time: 8:47
